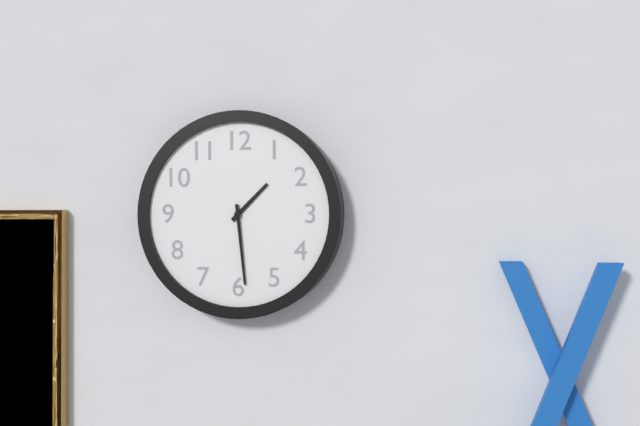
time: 1:29
